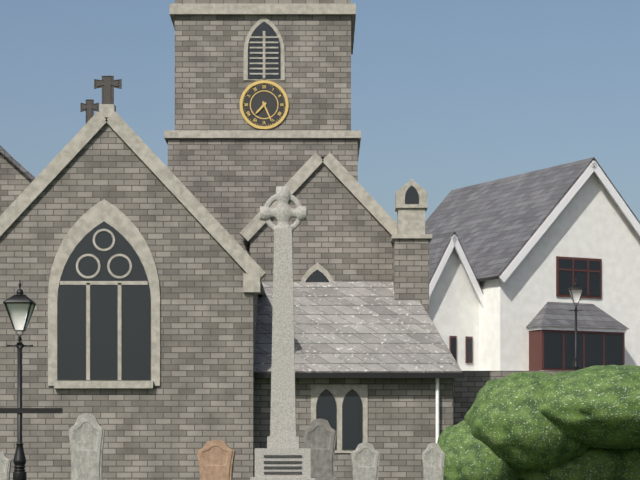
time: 7:26
